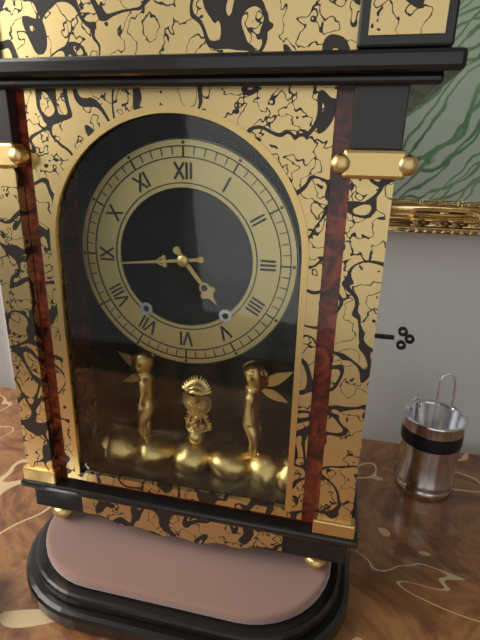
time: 4:44
